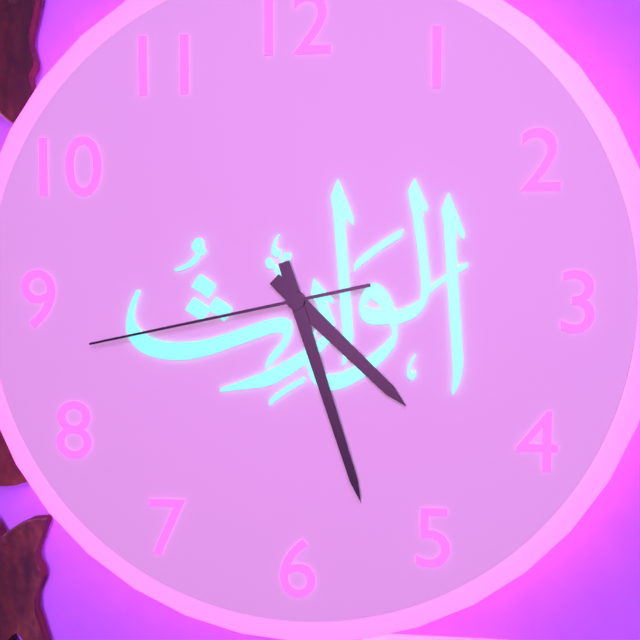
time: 4:27:43
